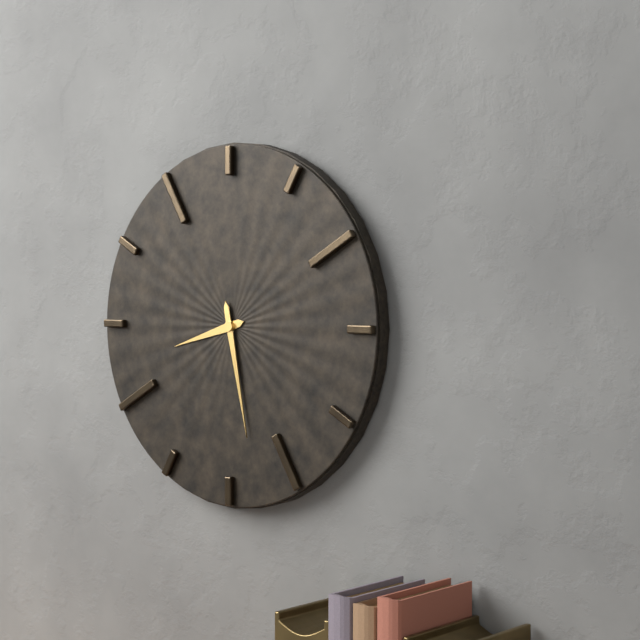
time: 8:28
